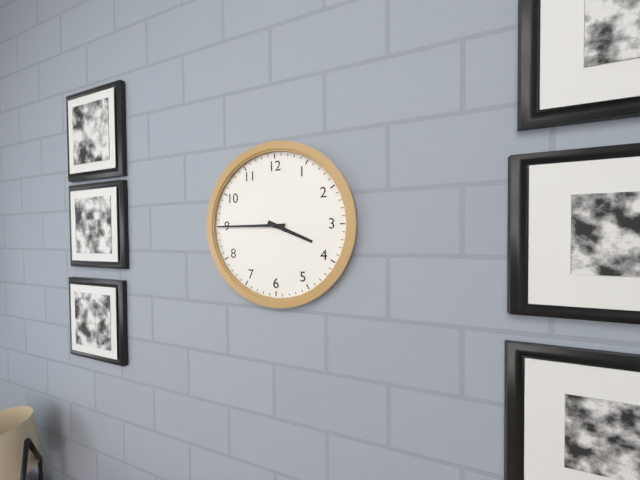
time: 3:45
